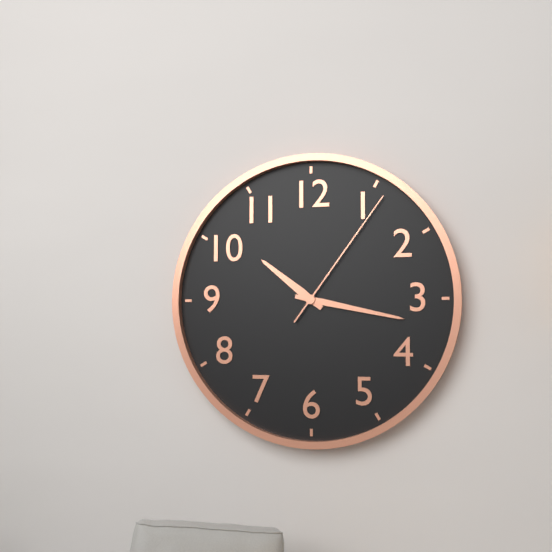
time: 10:17:06
